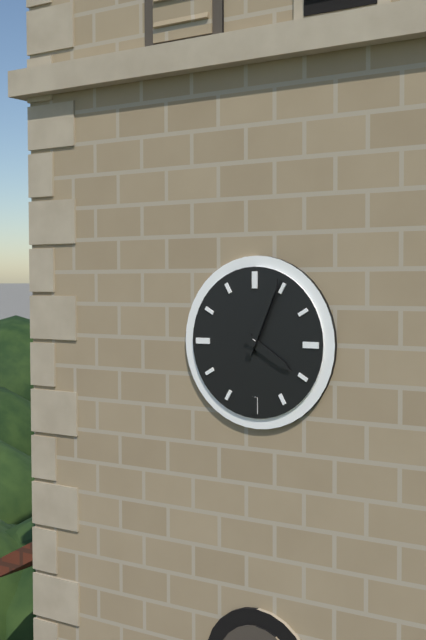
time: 4:04
